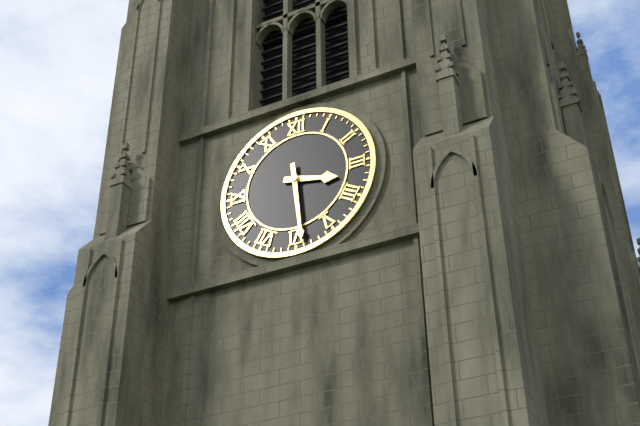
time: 3:29
